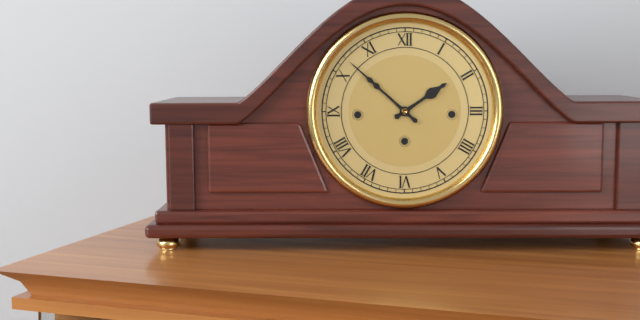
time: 1:52
